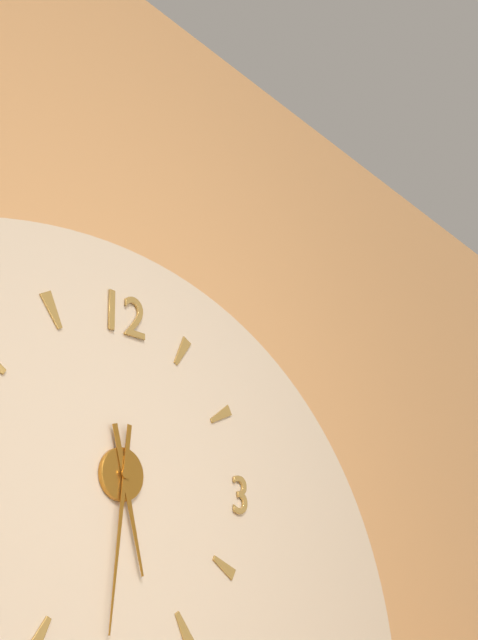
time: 5:31
